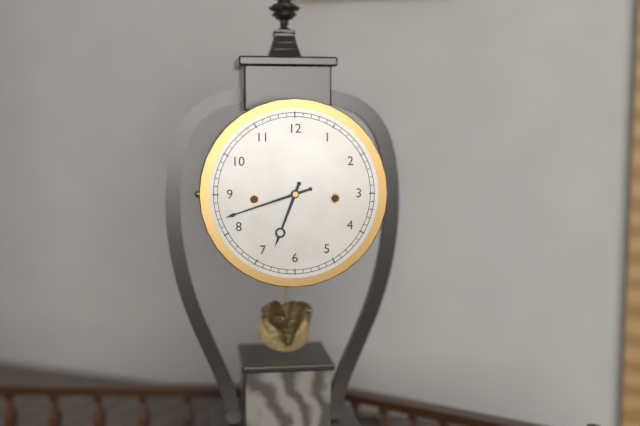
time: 6:42
